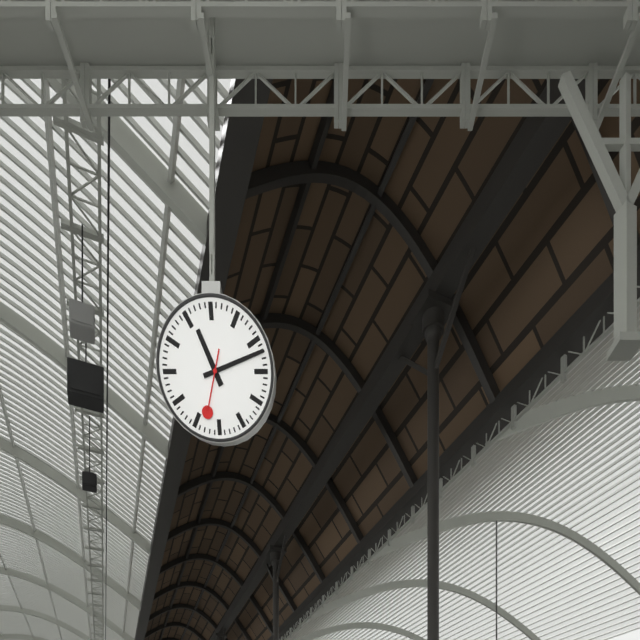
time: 11:12:33
